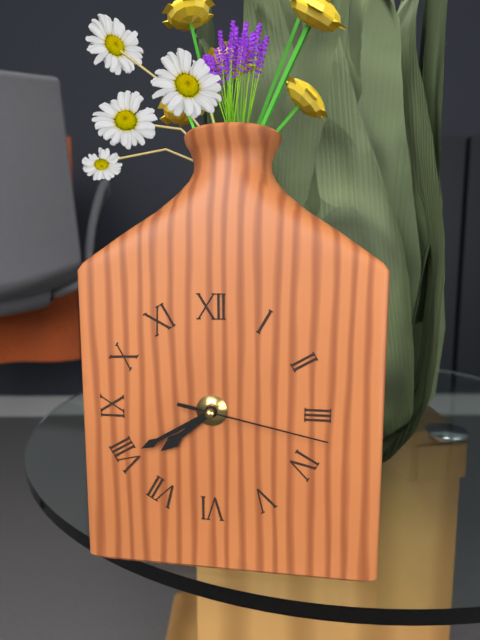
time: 7:40:17
